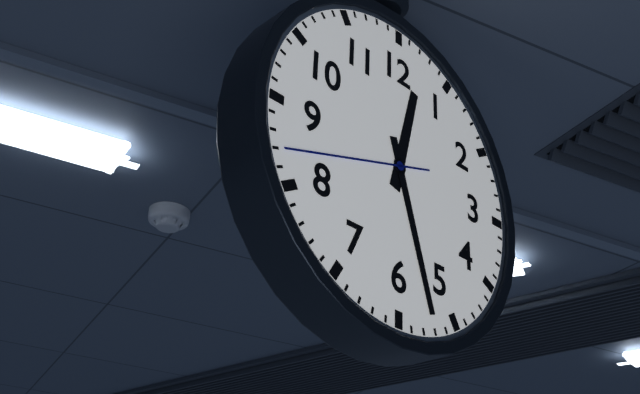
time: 12:27:42
